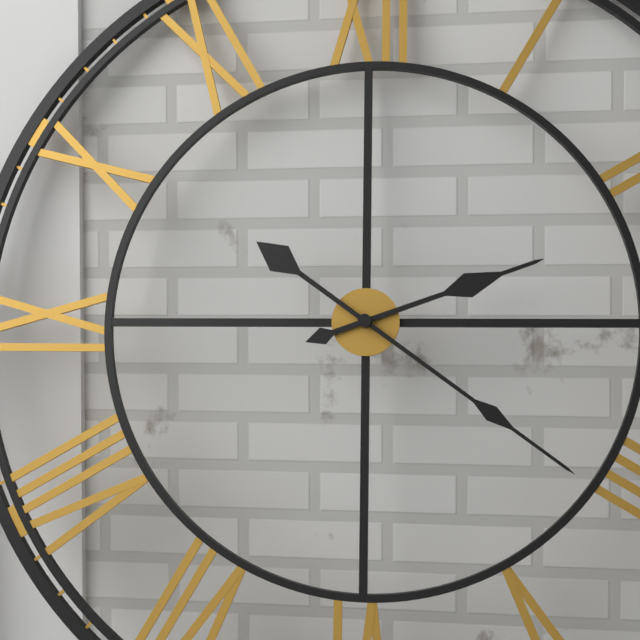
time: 2:21
